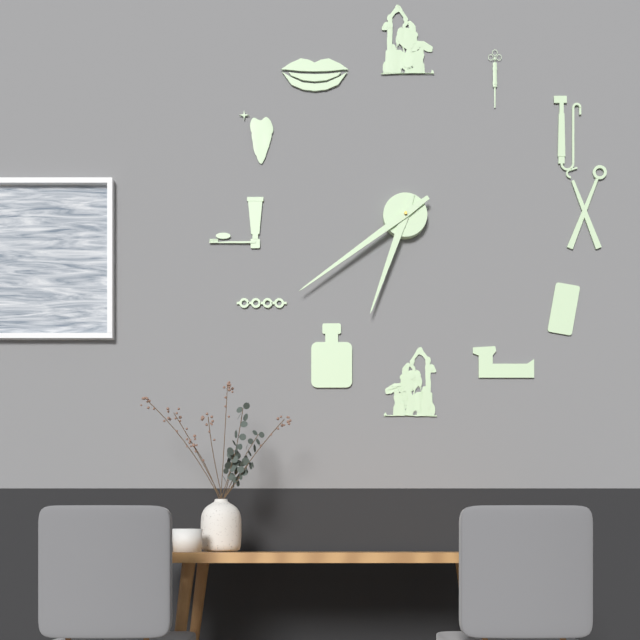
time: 6:39
